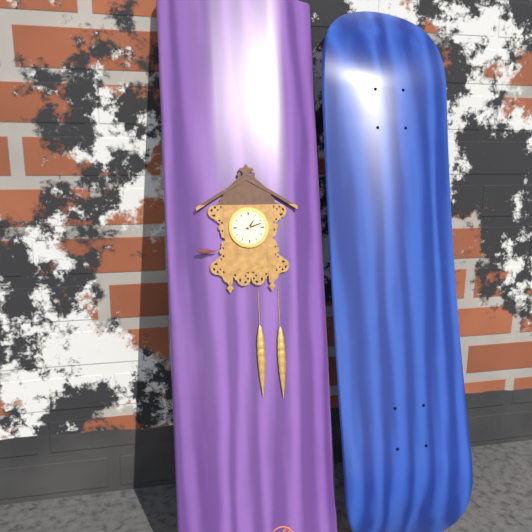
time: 1:12
